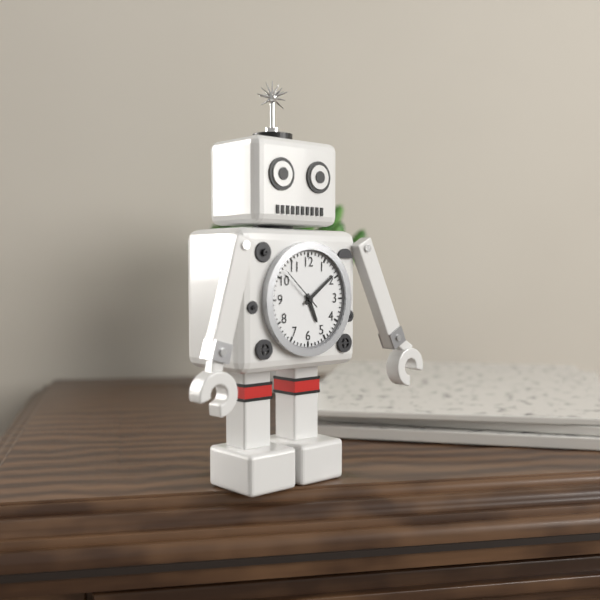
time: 5:09
